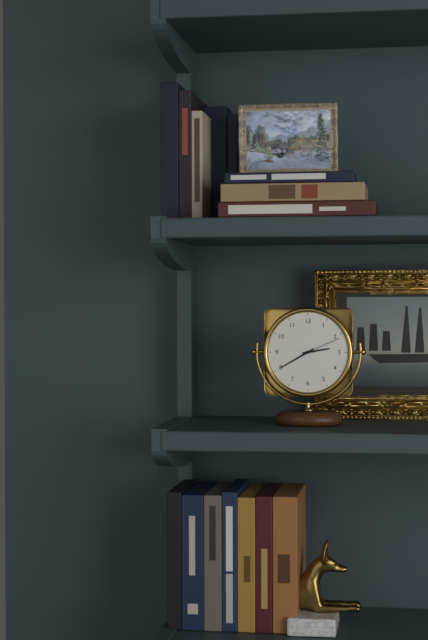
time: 2:40
